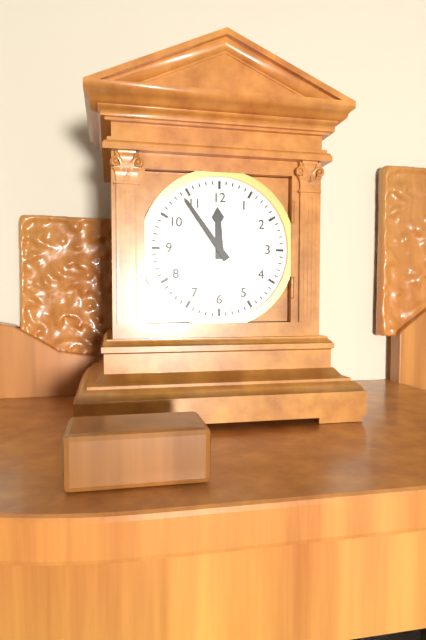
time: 11:54
